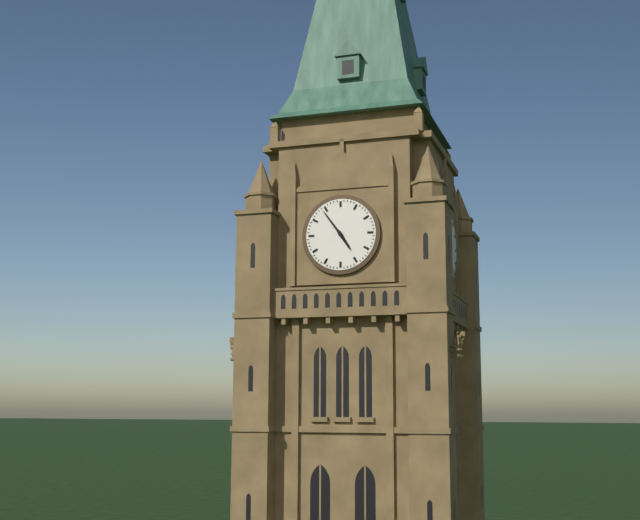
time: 4:54
